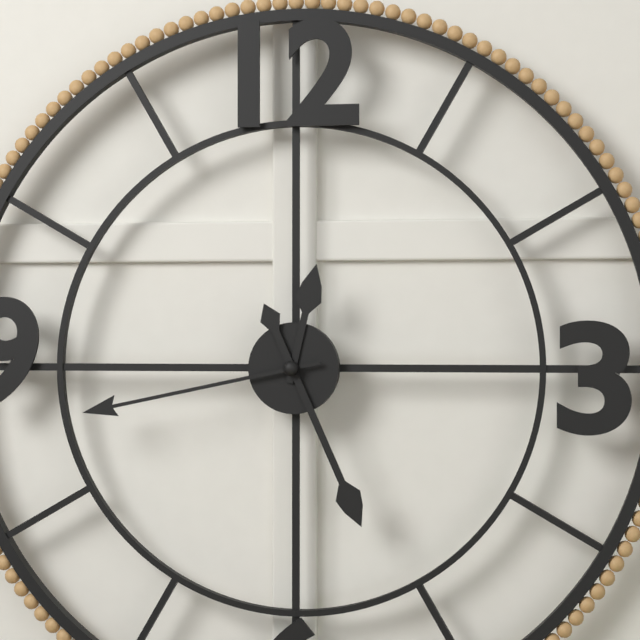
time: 12:26:43
